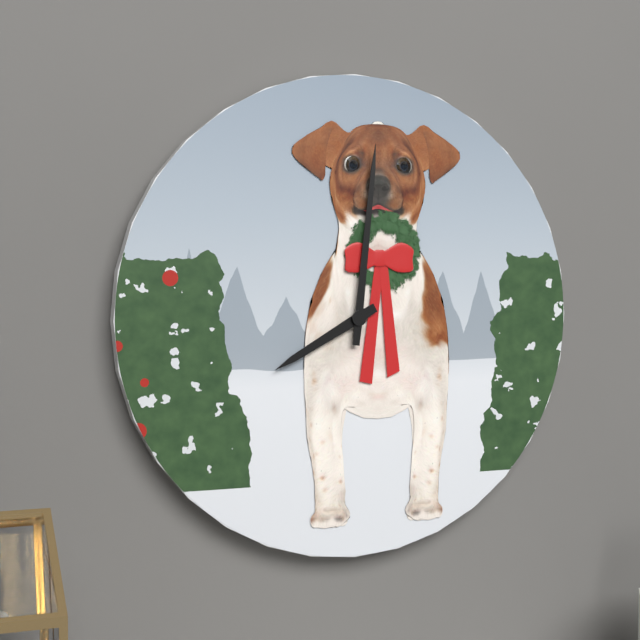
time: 8:01
